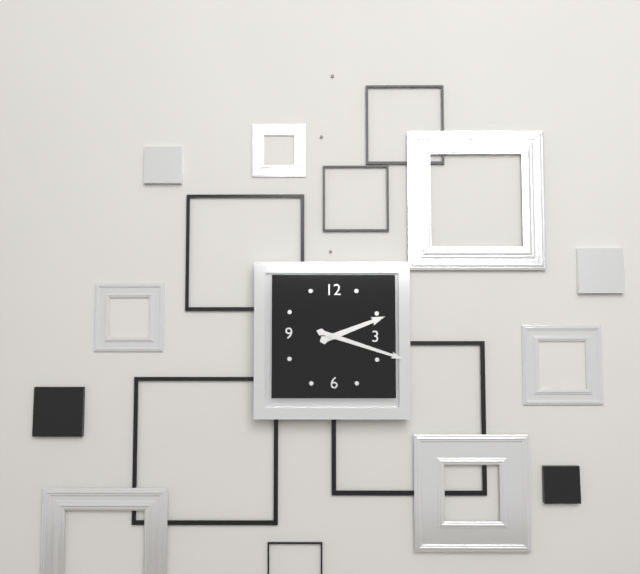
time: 2:18
